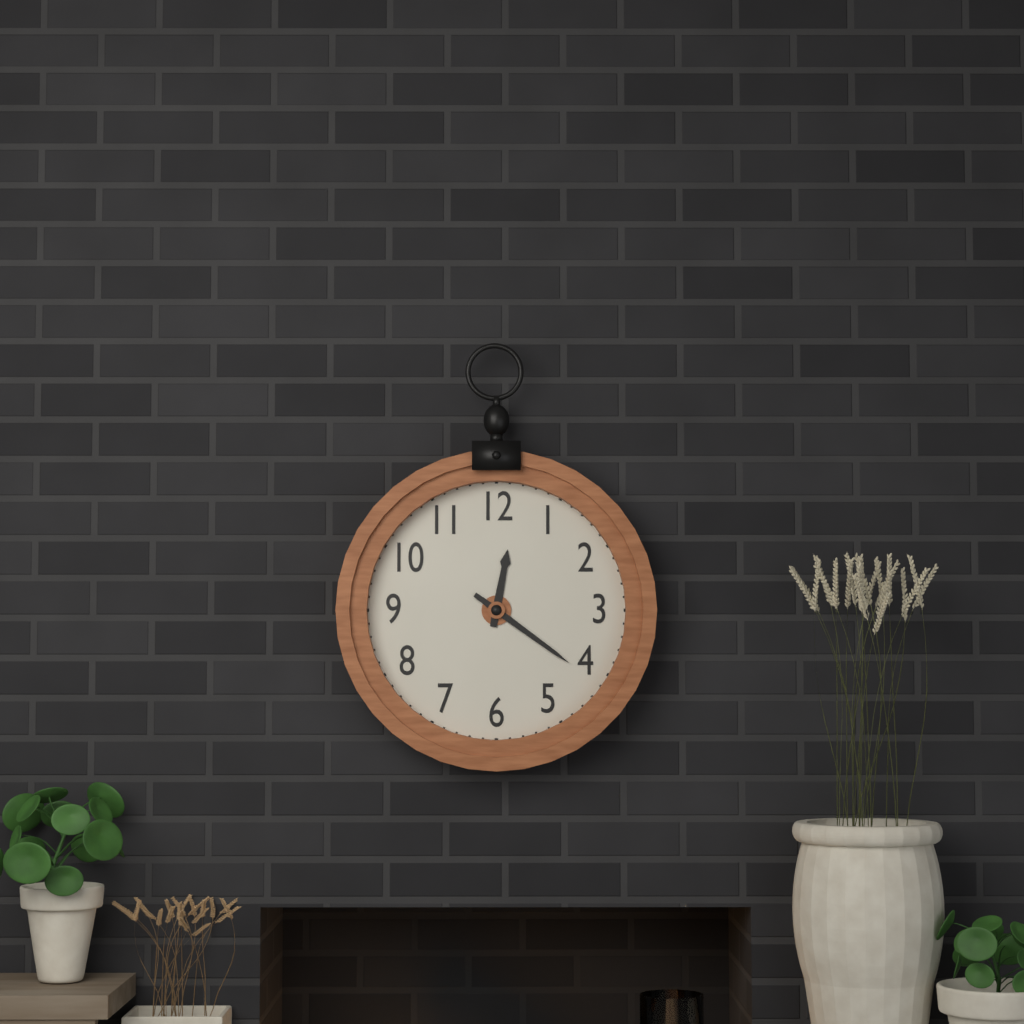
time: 12:21
